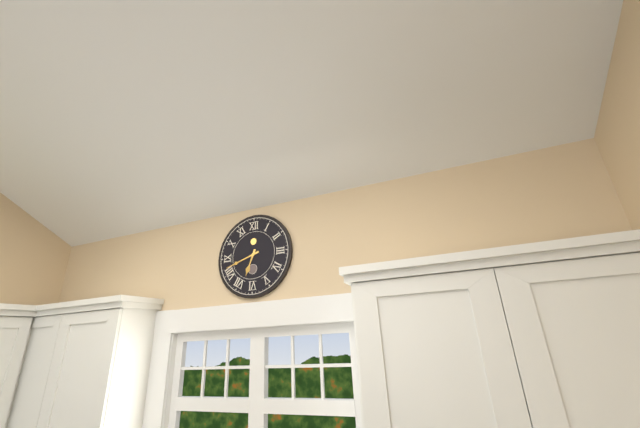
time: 6:42
